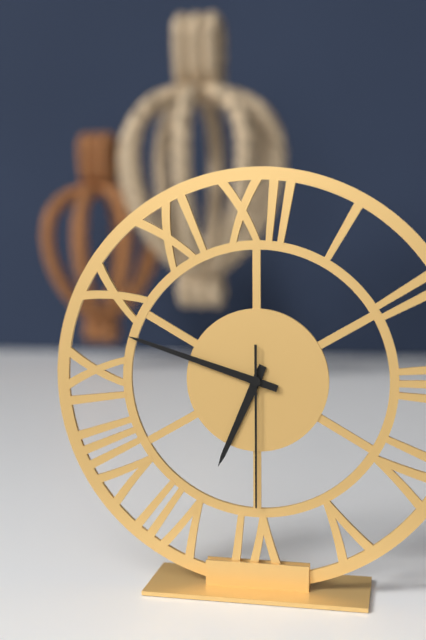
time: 6:48:30
